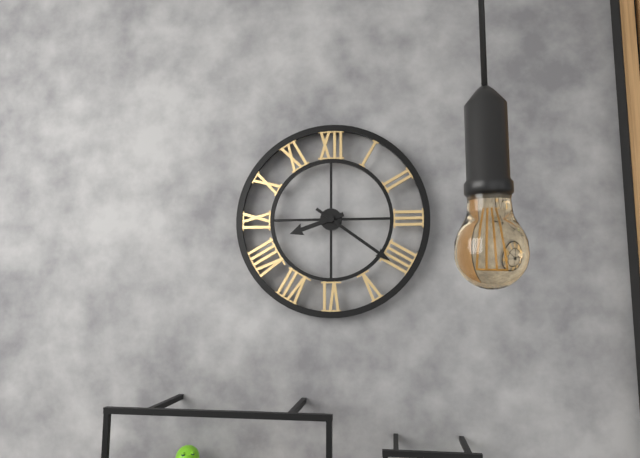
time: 8:21
